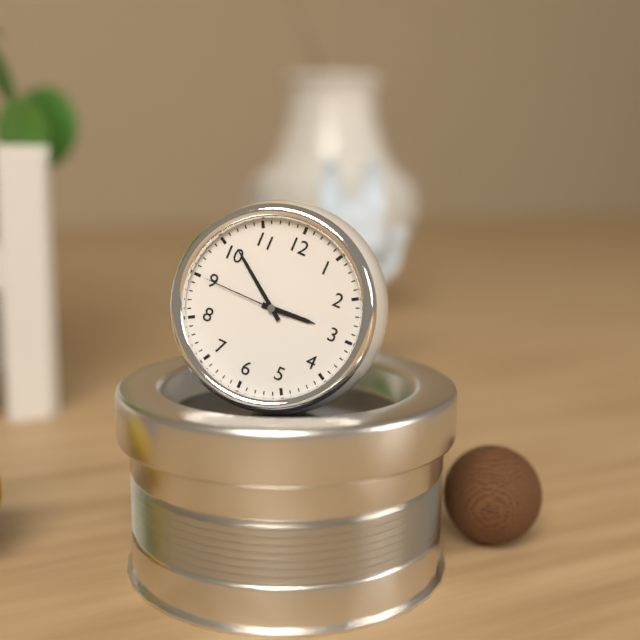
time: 2:51:45
